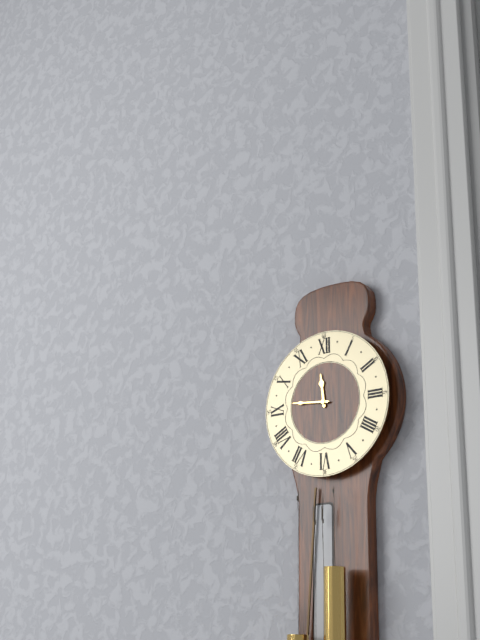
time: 11:46
